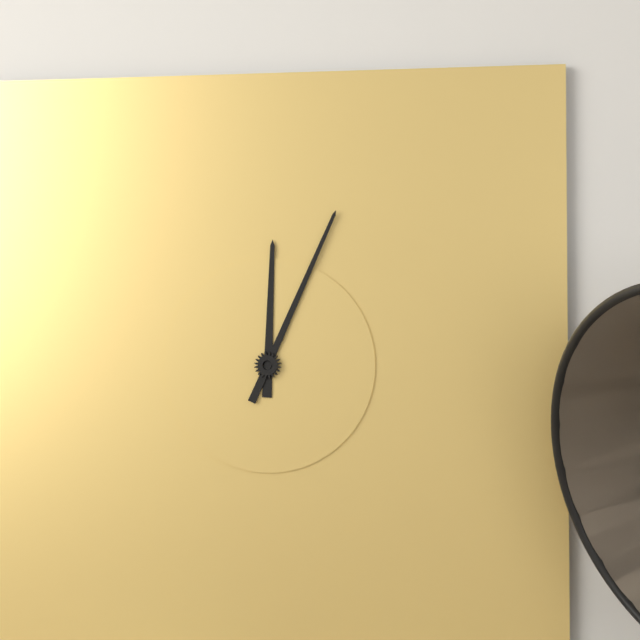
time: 12:04
